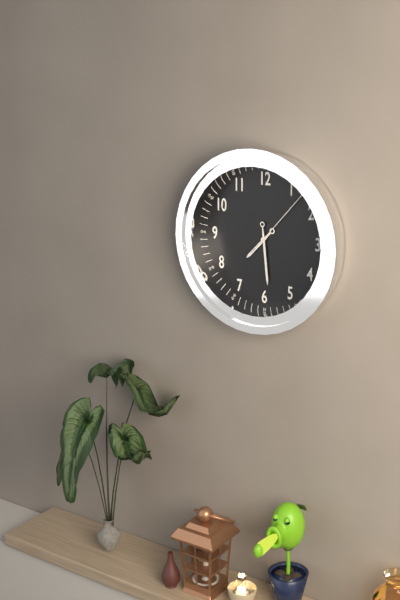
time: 7:29:07
